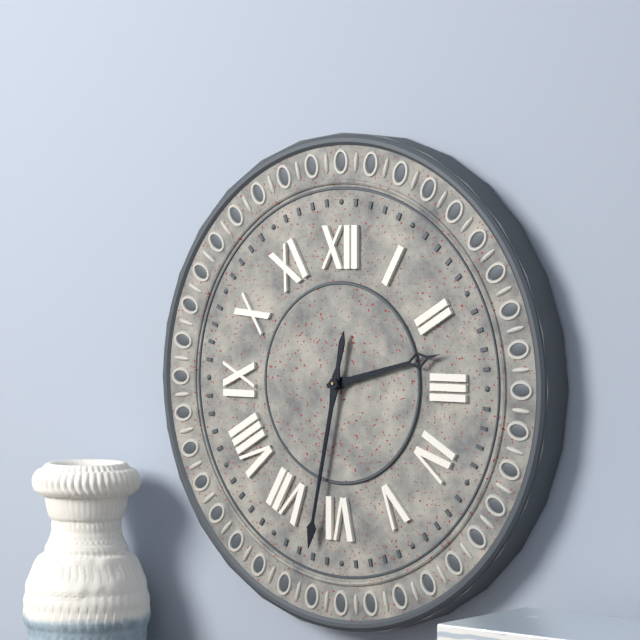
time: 2:32
